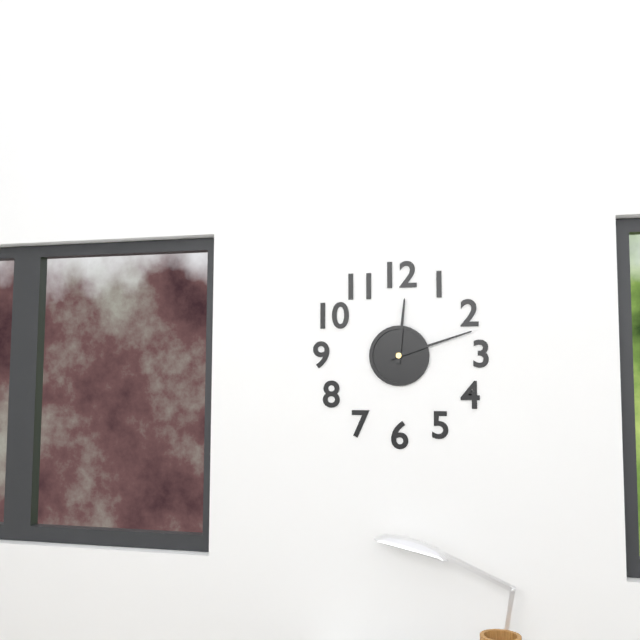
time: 12:12
